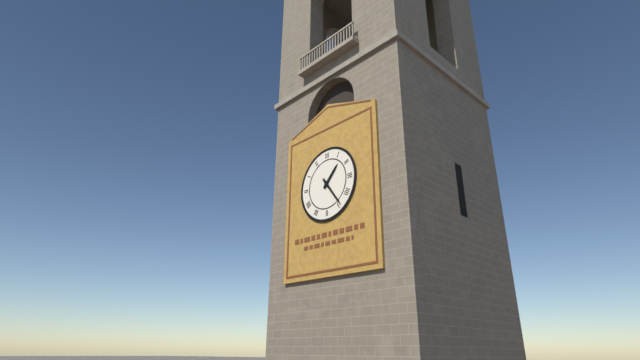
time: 1:24
